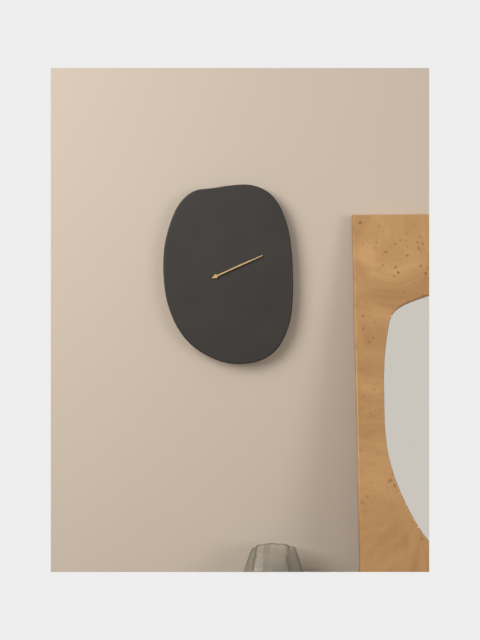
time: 2:11
